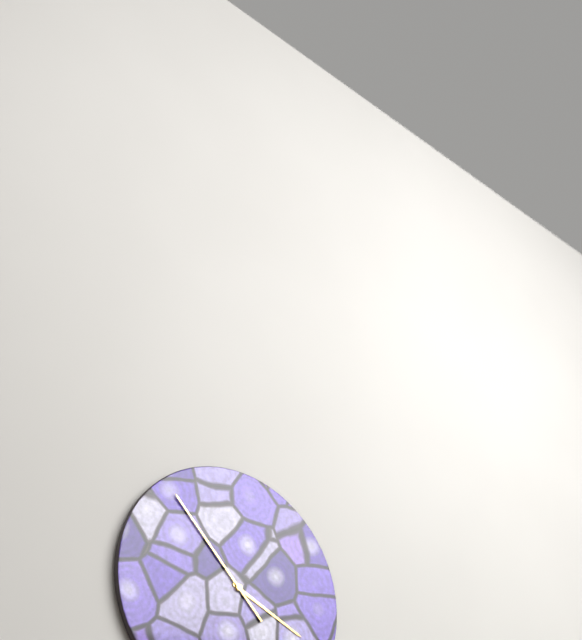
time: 3:53
